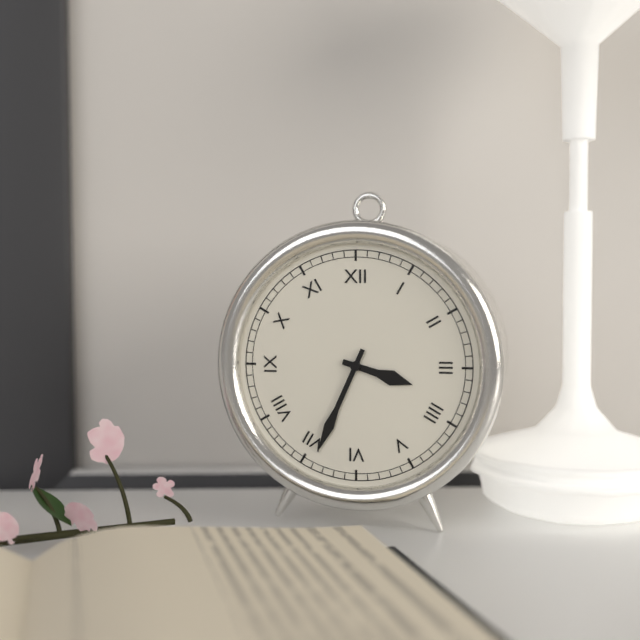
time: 3:34
